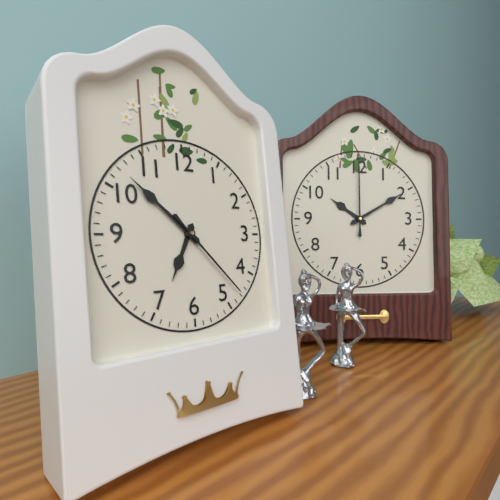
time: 6:52:23
